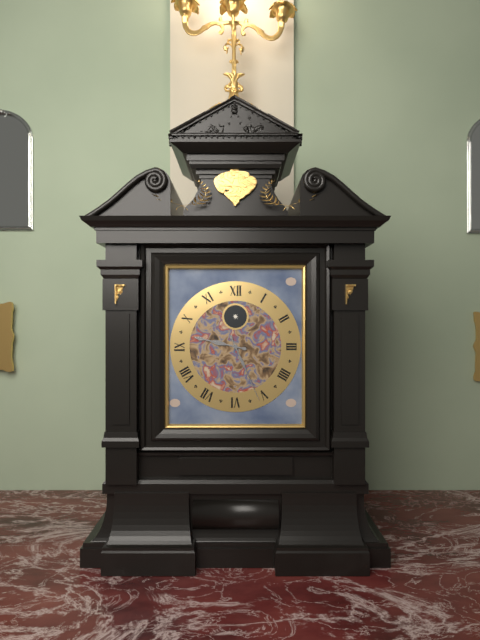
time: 9:26
